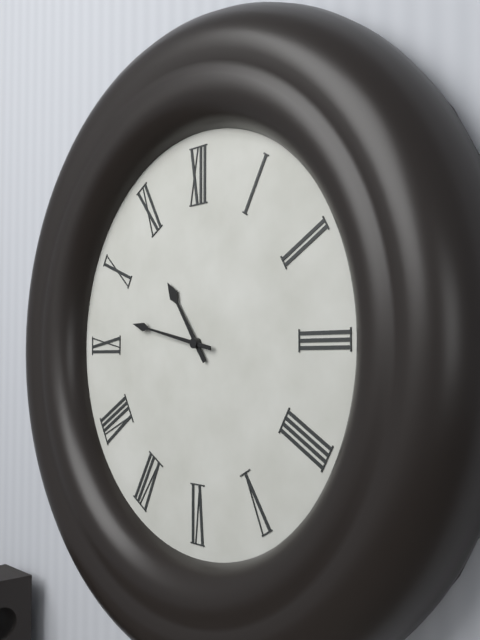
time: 10:47
